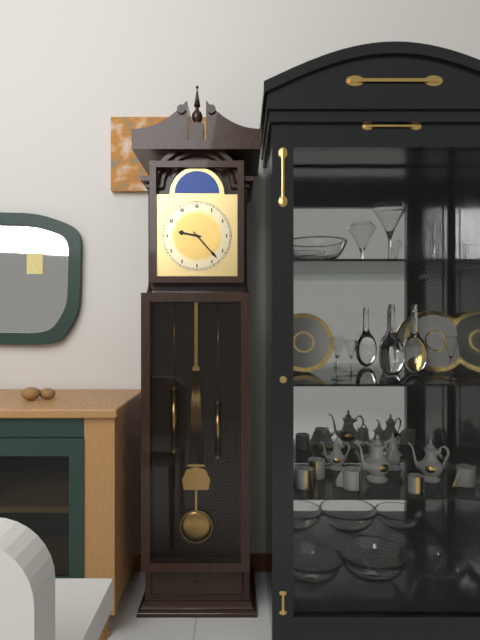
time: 9:23
